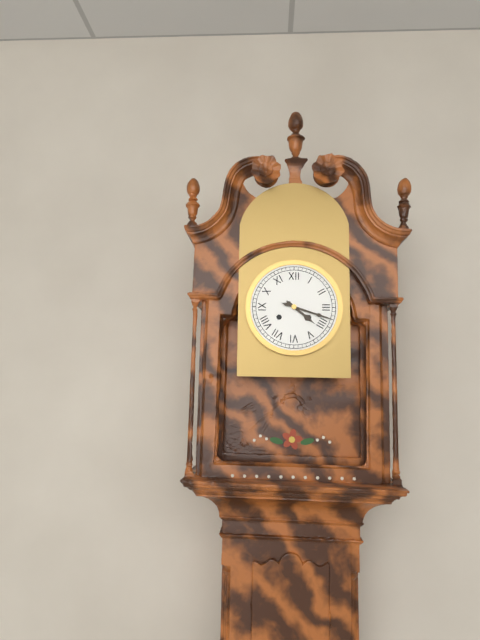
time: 4:18
